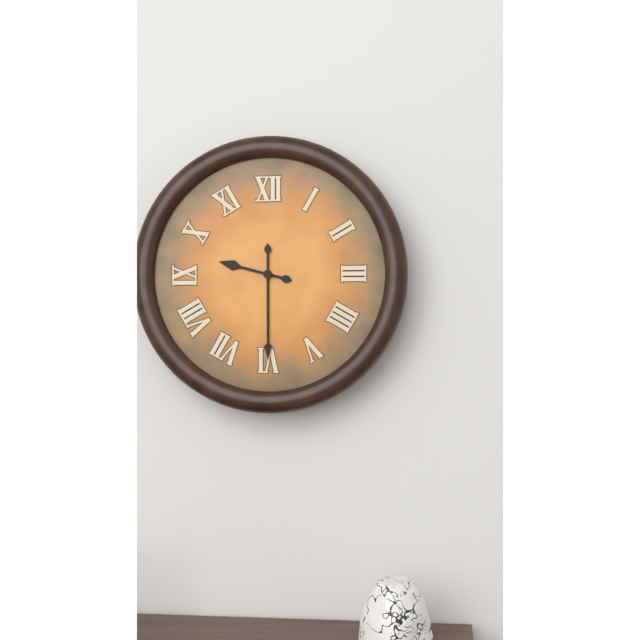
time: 9:30
